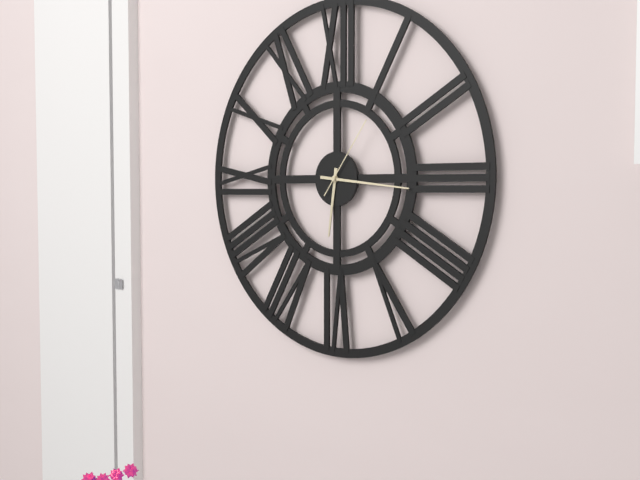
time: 6:16:06
